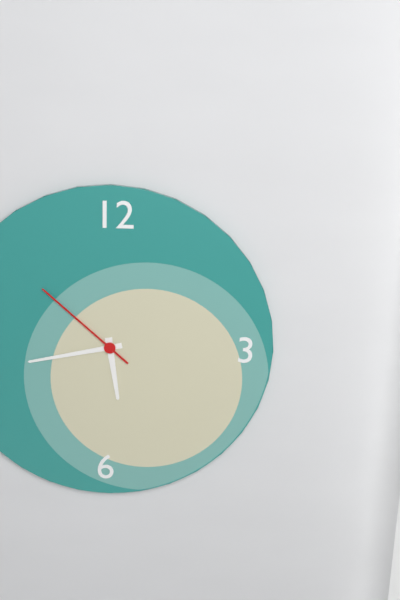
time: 5:43:52
